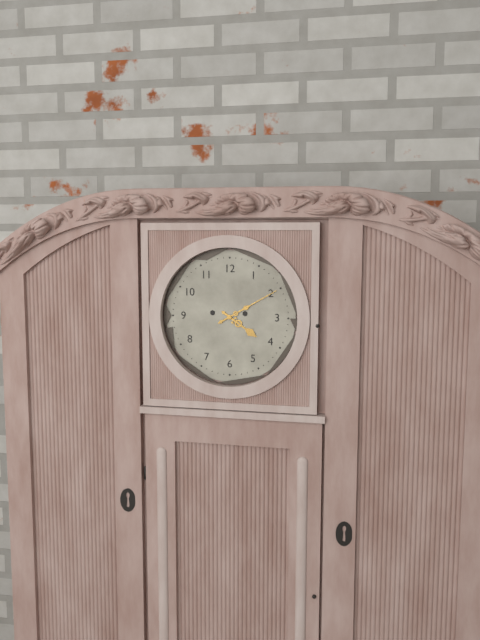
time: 4:10
